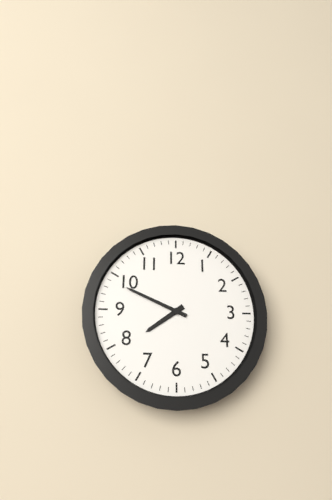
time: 7:49
